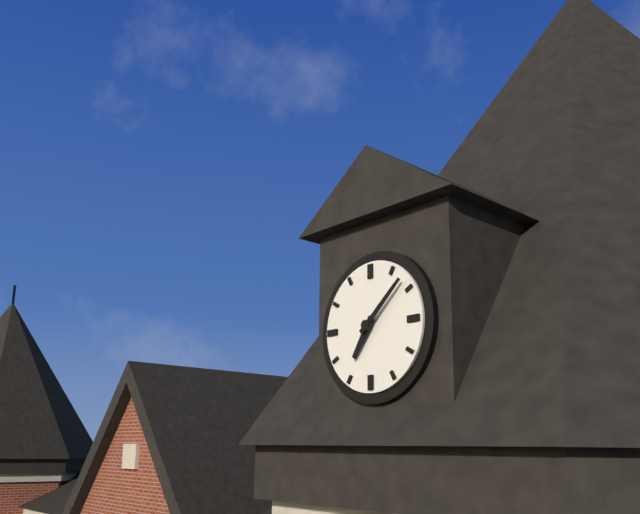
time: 7:08
